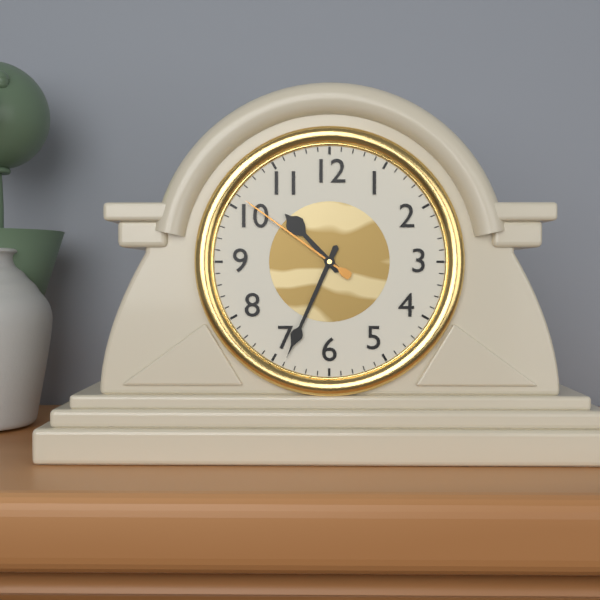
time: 10:34:51
